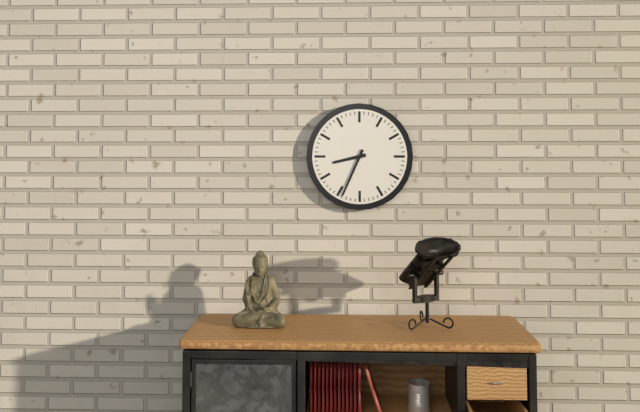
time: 8:34
